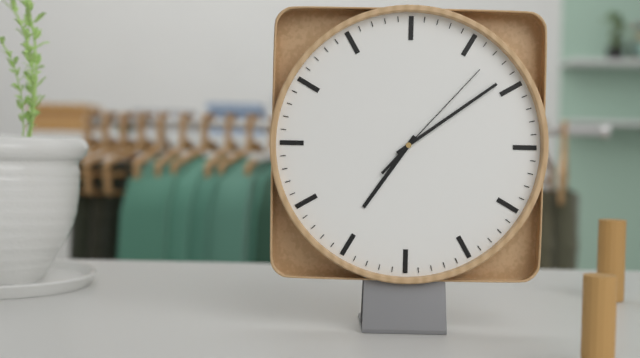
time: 7:09:07
